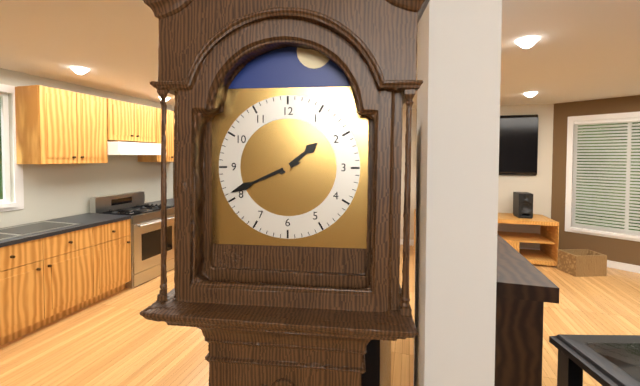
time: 1:41
